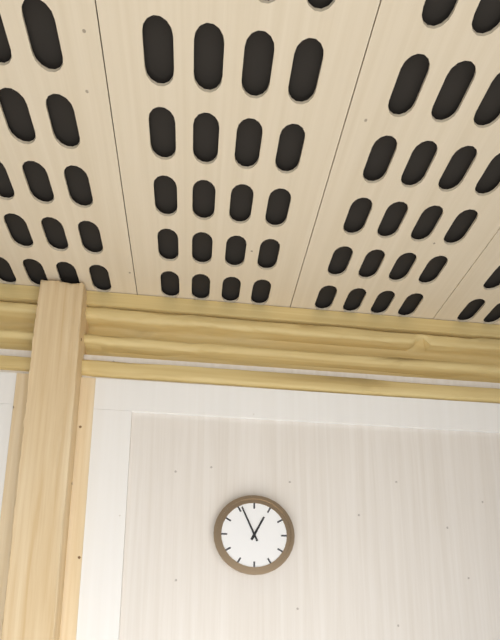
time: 12:56
